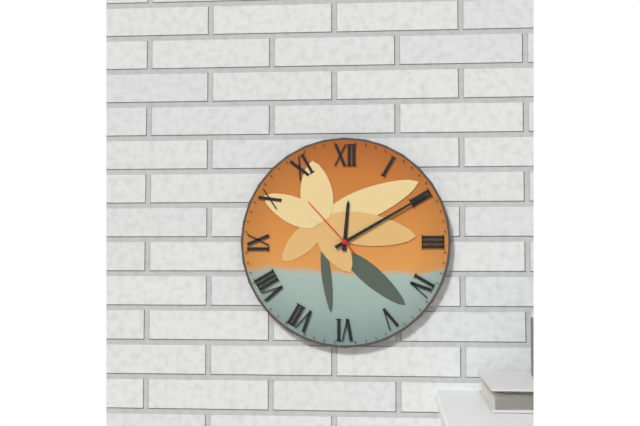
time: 12:10:53
